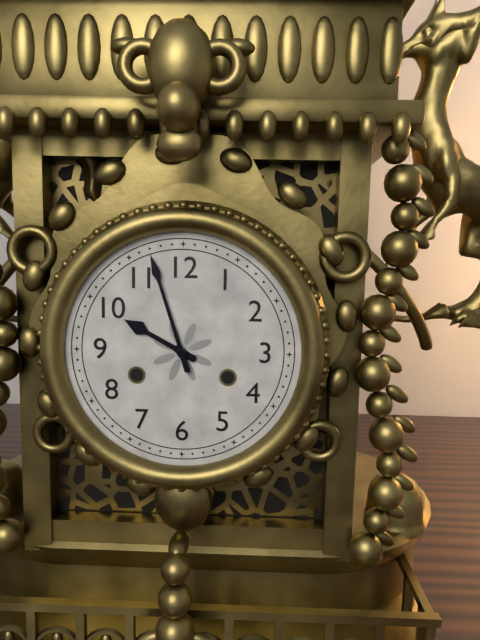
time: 9:57
